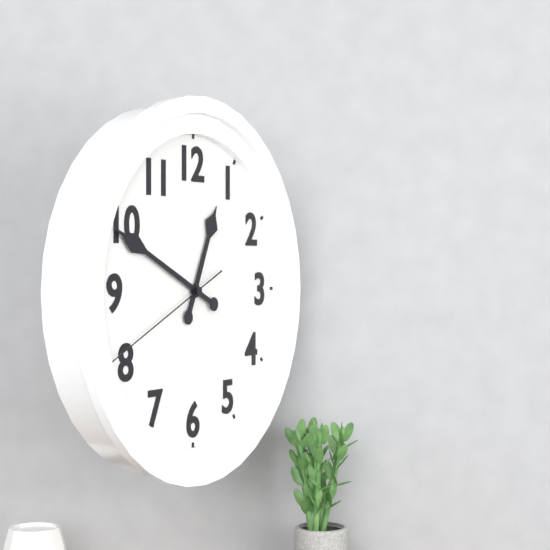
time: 12:49:41
